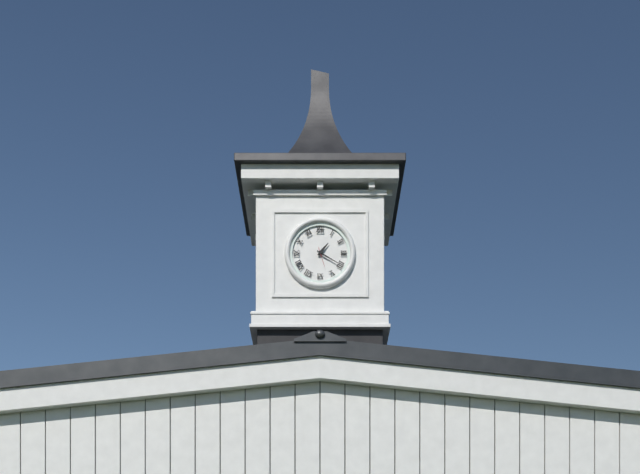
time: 1:20
